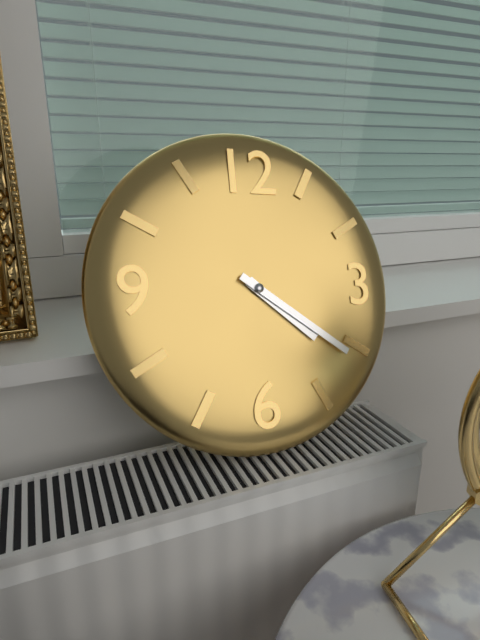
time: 4:21
